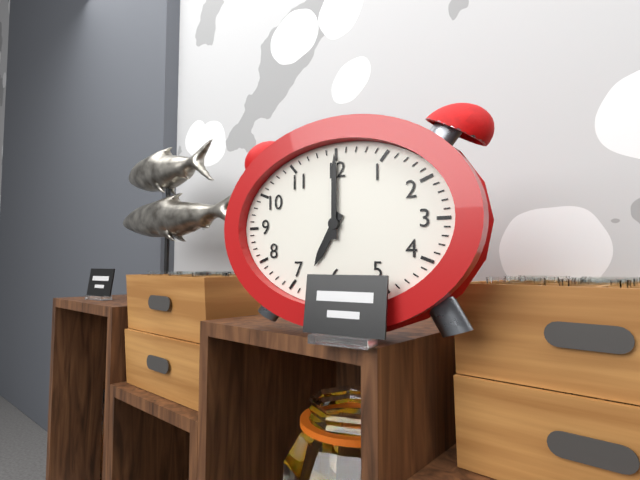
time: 7:00
